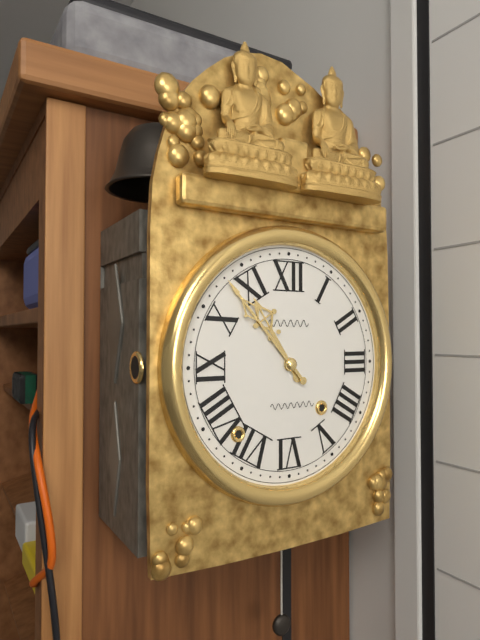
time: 10:53
